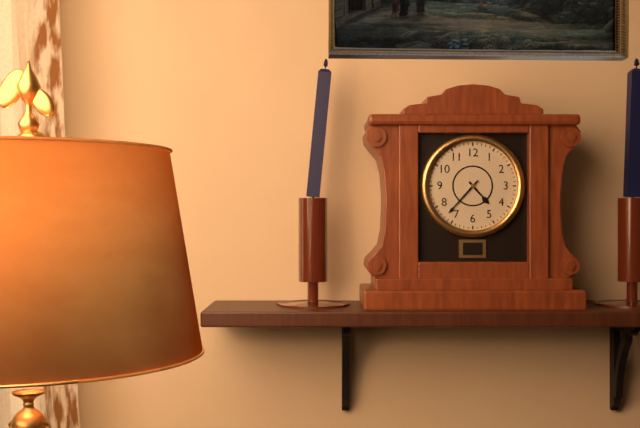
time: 4:37
